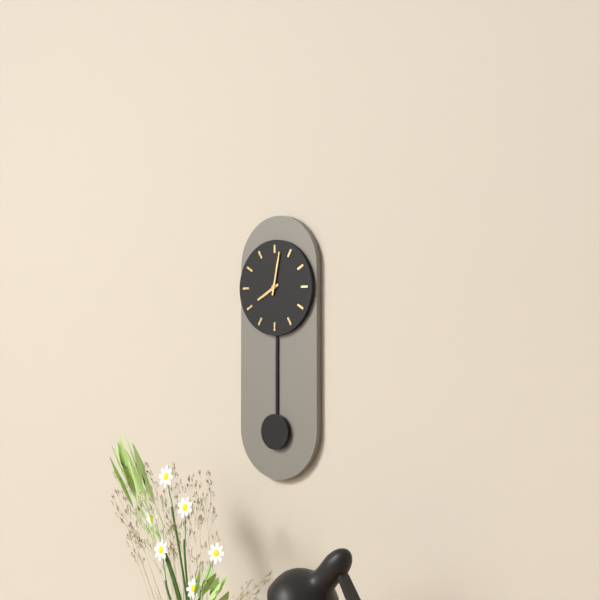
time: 8:02
